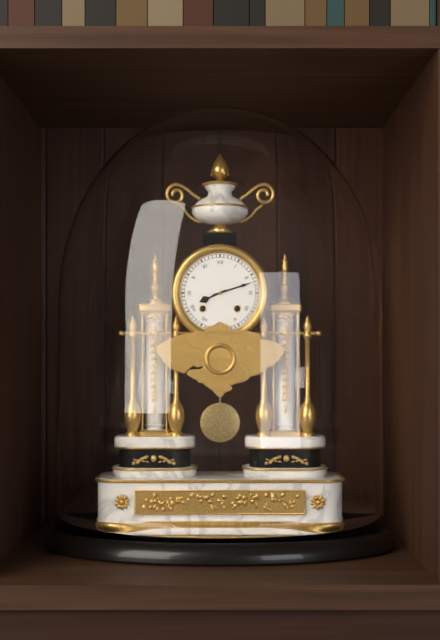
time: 8:12
